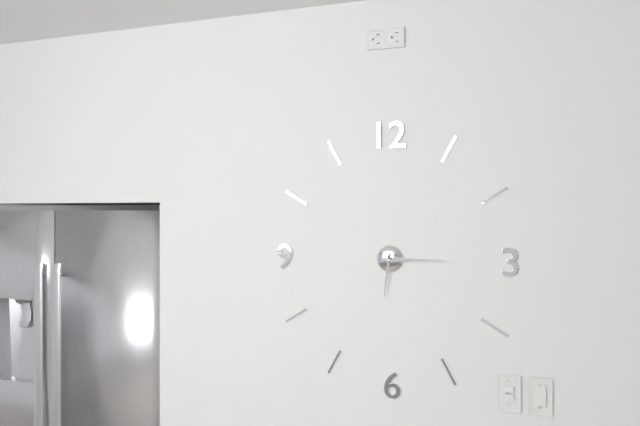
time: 6:15
